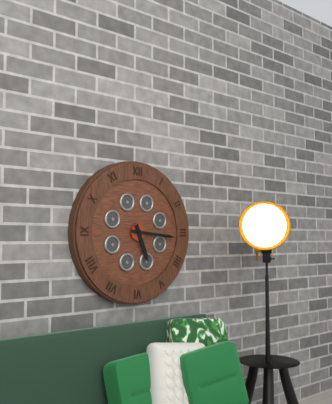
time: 5:16
